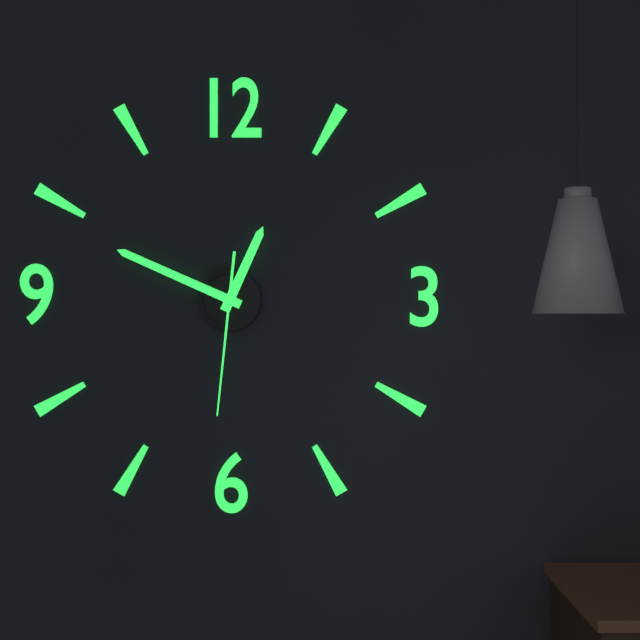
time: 12:49:31
